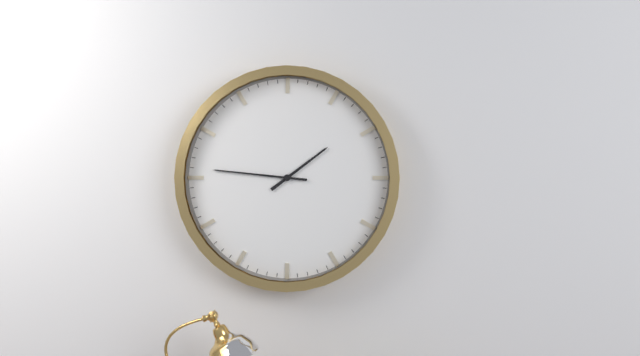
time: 1:46
